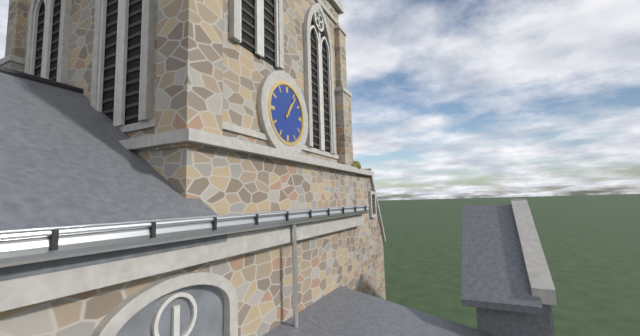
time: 1:06
